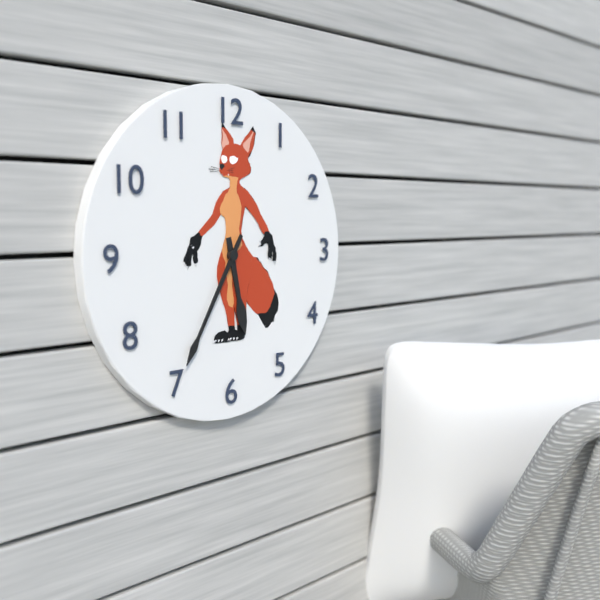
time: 5:35
